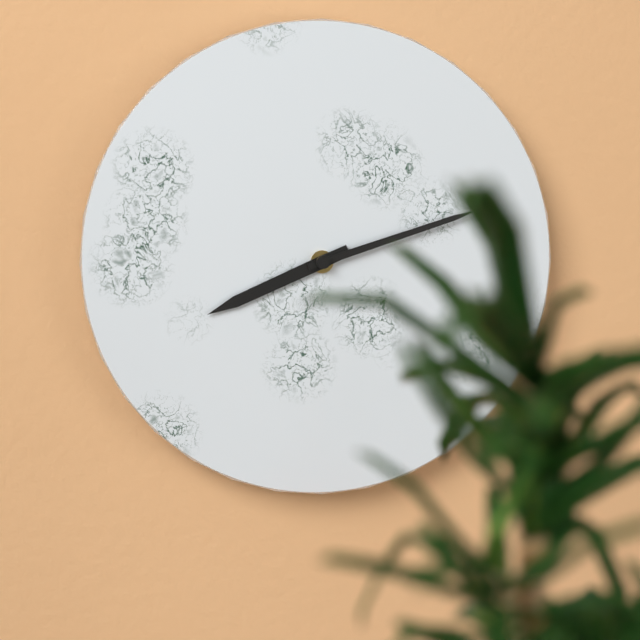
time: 8:12
